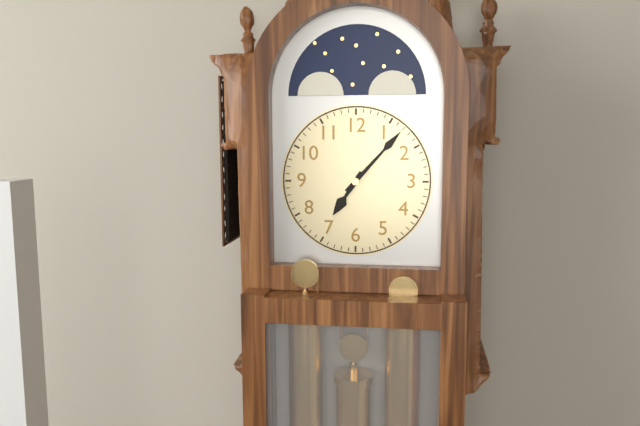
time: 7:07
